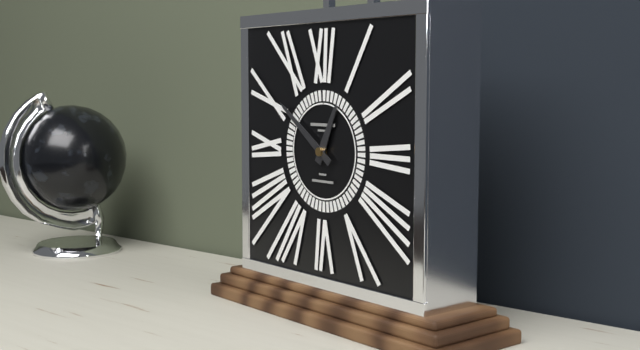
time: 12:51
